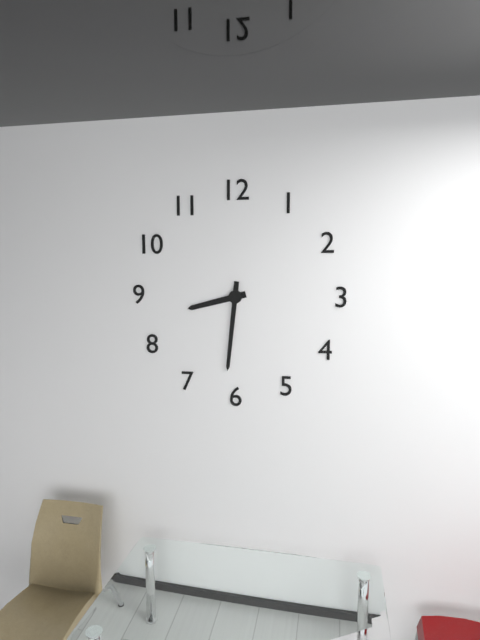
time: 8:31
